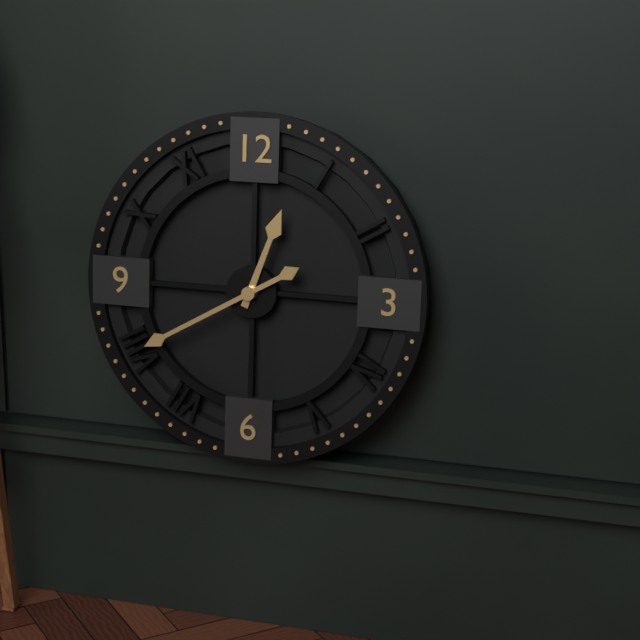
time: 12:40
